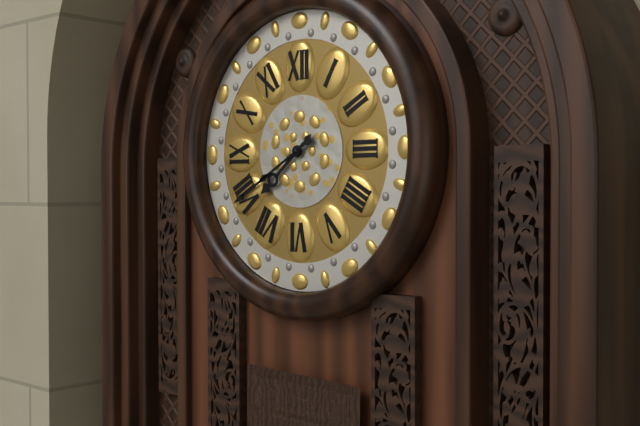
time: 7:40
